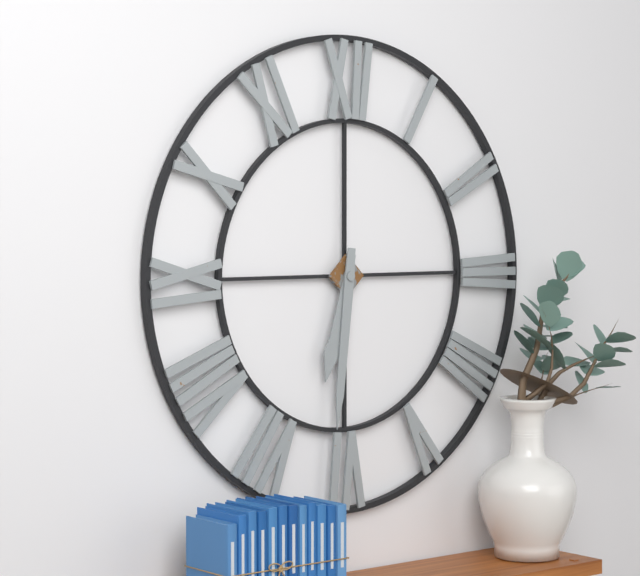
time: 6:31
